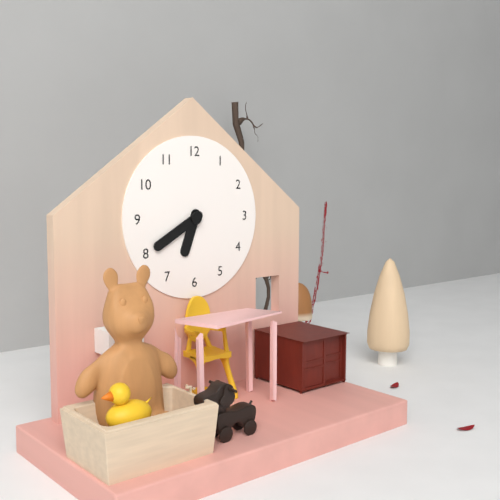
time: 6:40
